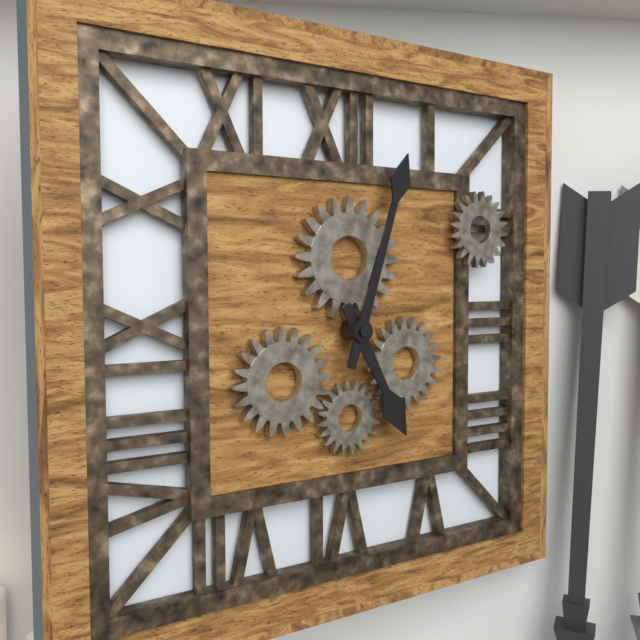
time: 5:03
